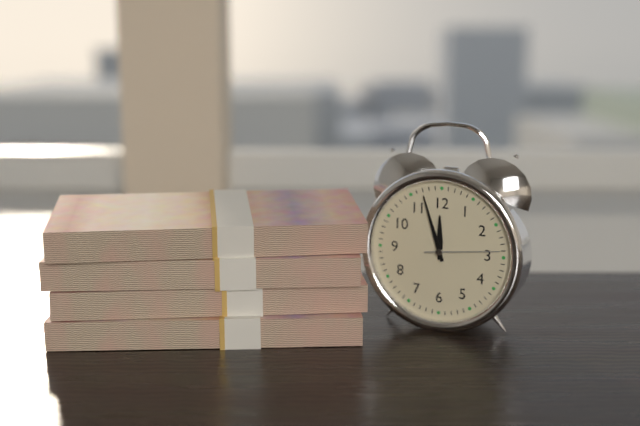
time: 11:57:14
